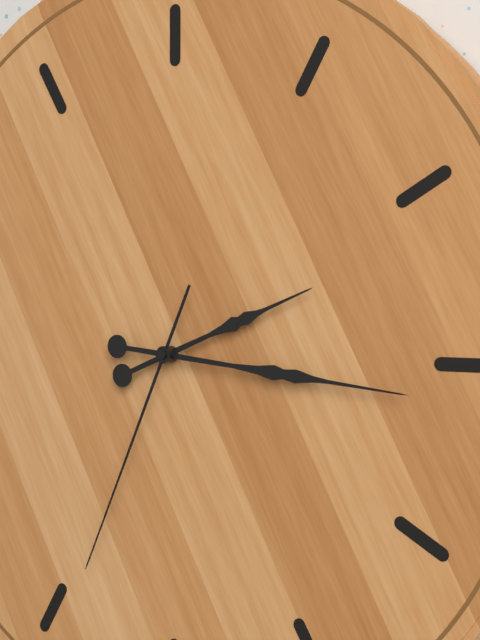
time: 2:16:34
